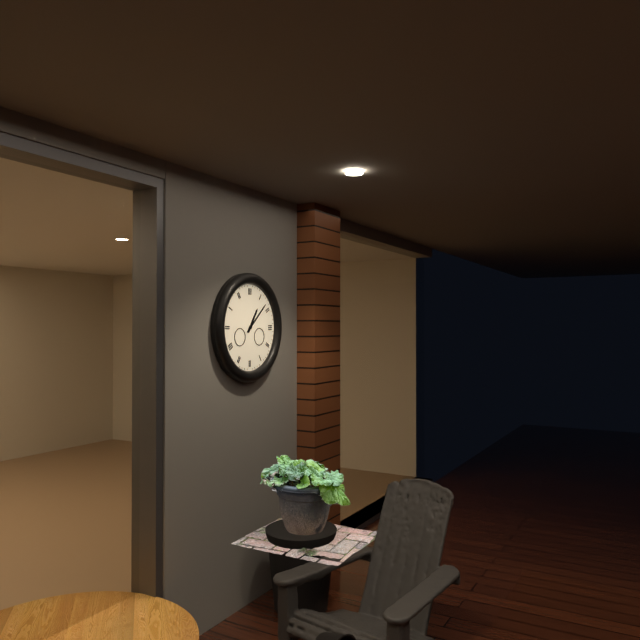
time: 1:08
